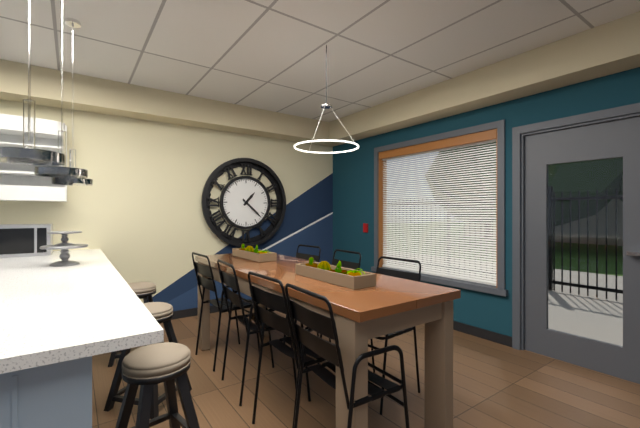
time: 1:22
